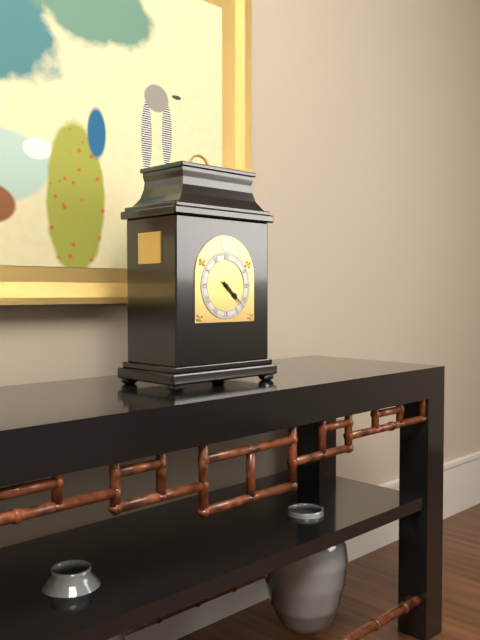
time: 4:22
